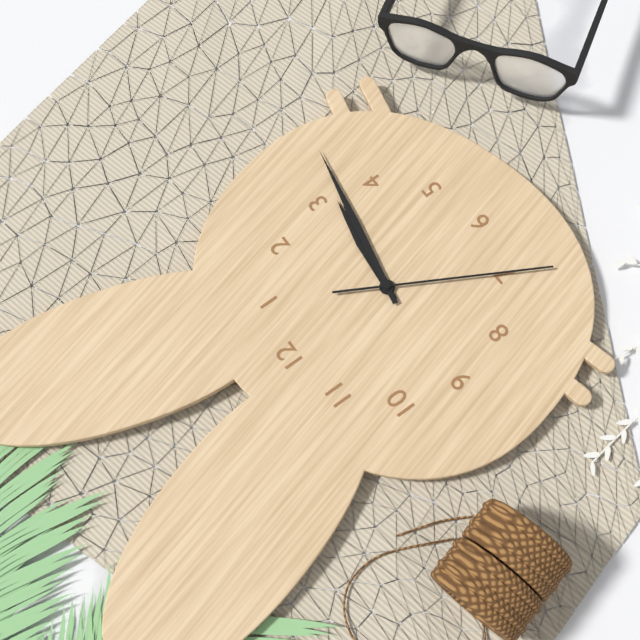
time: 3:17:35
